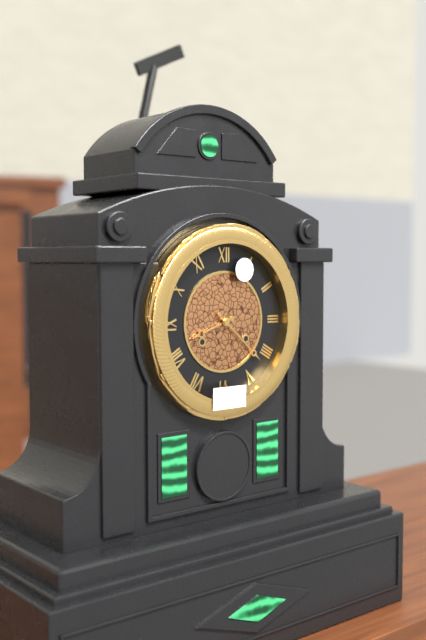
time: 8:22
